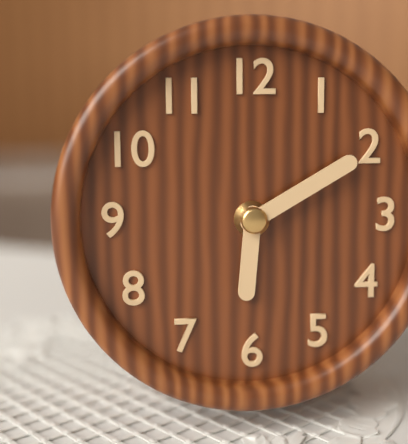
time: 6:10
